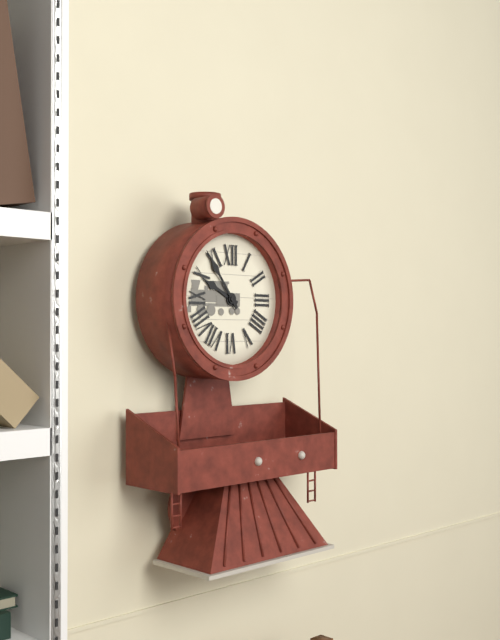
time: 9:54
